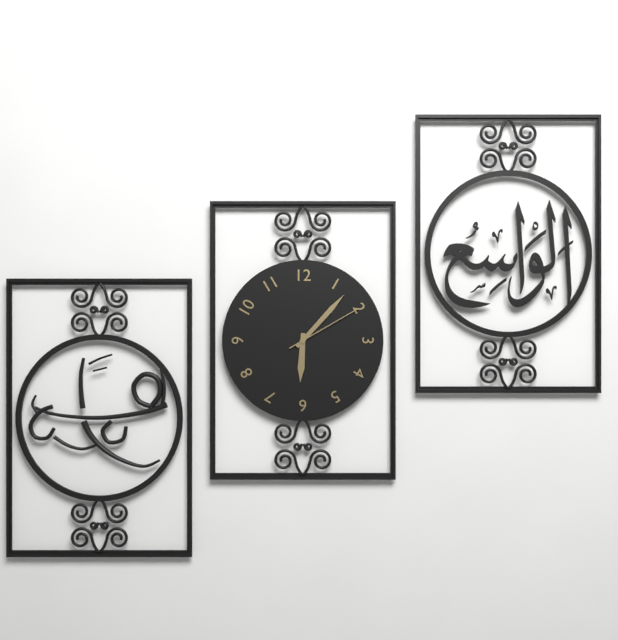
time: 6:07:10
